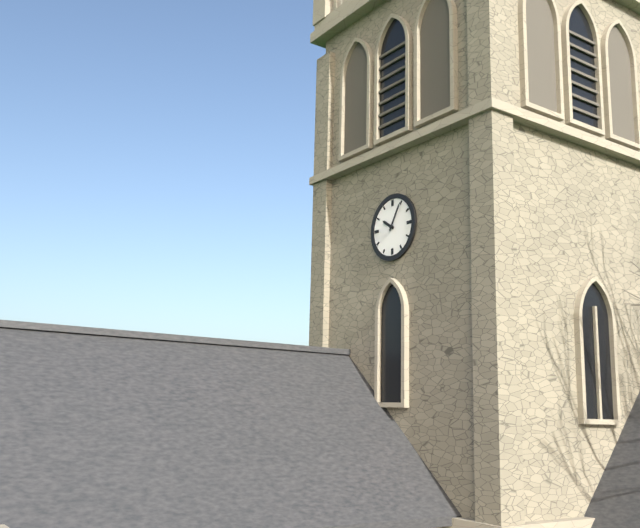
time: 10:05
